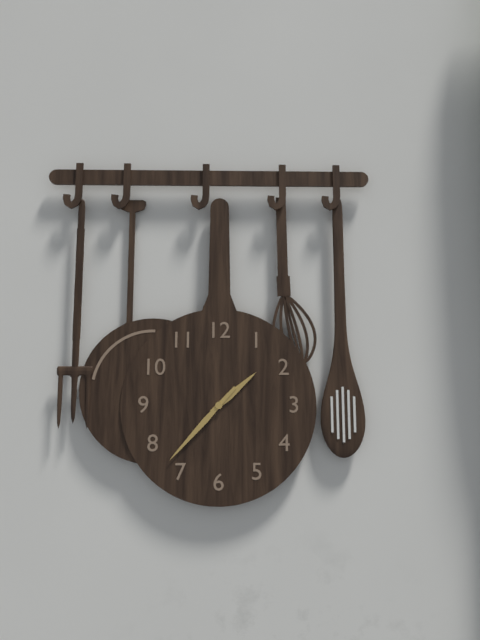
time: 1:37
